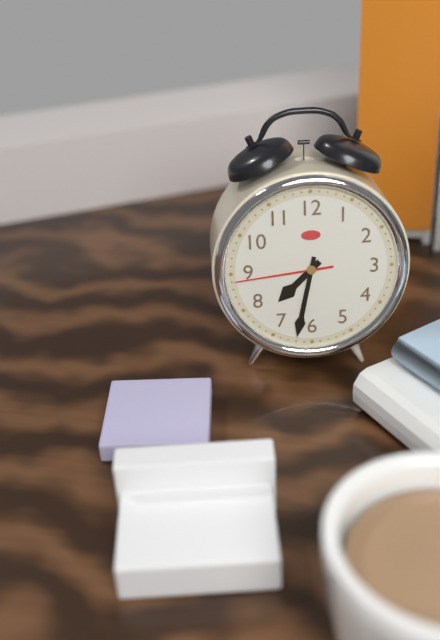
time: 7:32:44
